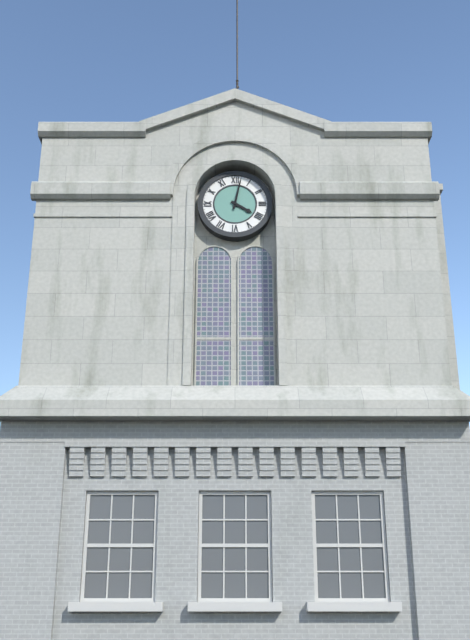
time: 4:02
